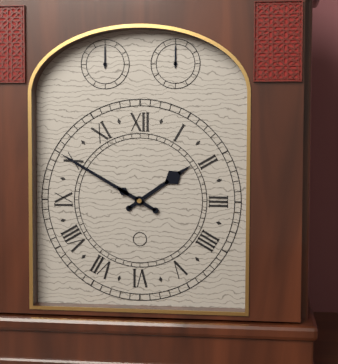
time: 1:50
